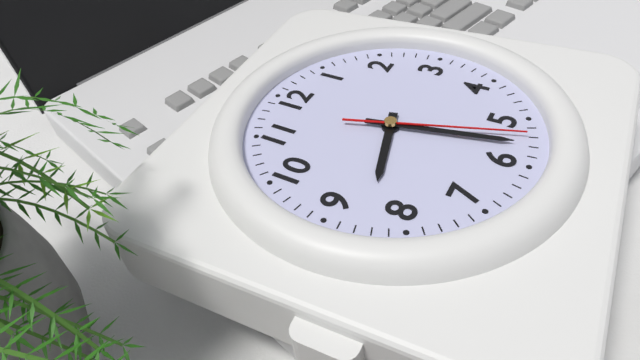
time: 8:28:27
